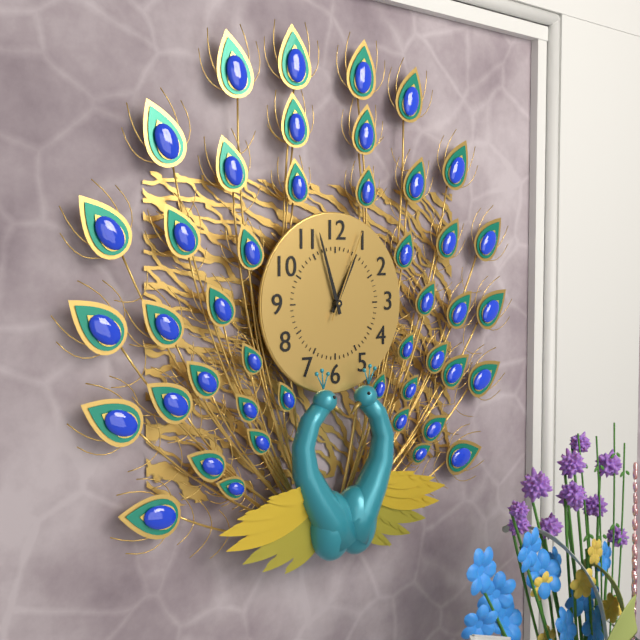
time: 12:57:04
